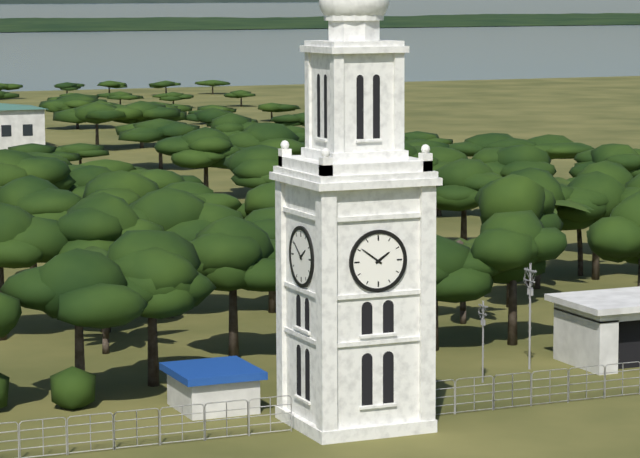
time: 1:51
